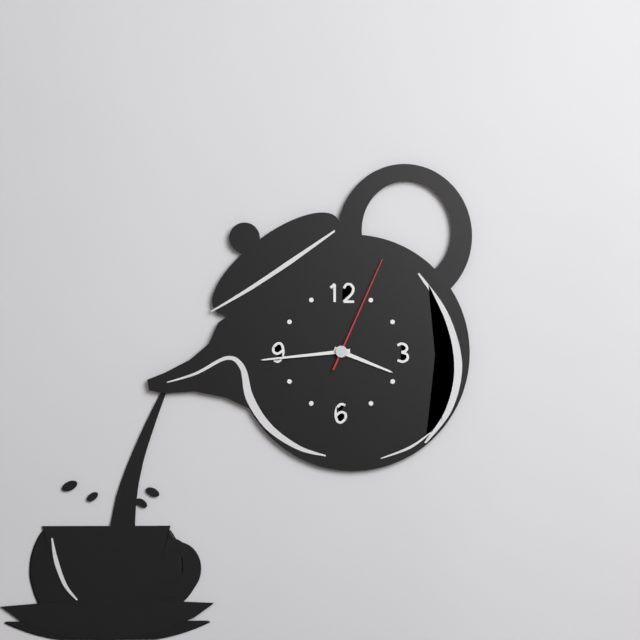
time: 3:44:04
